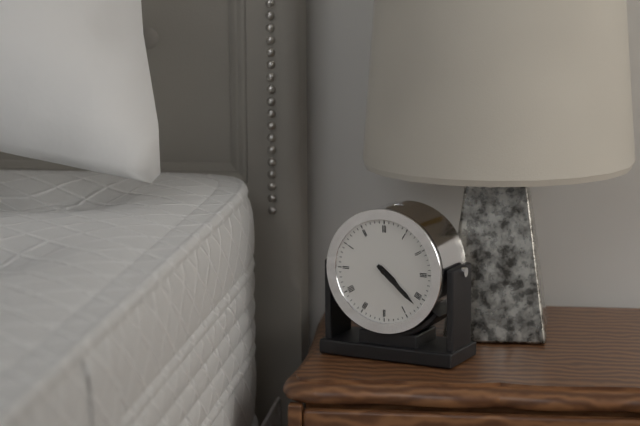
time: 4:22
